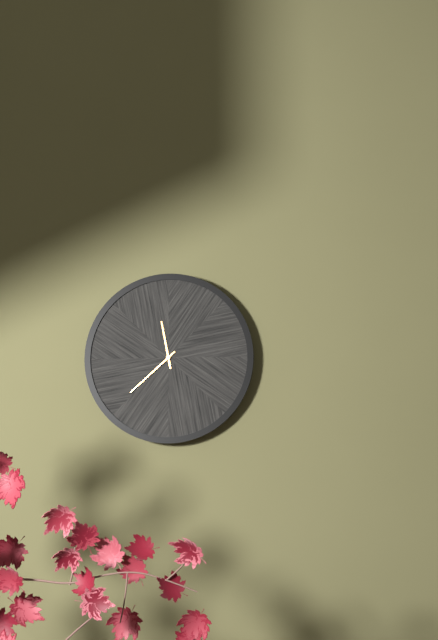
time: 11:38
